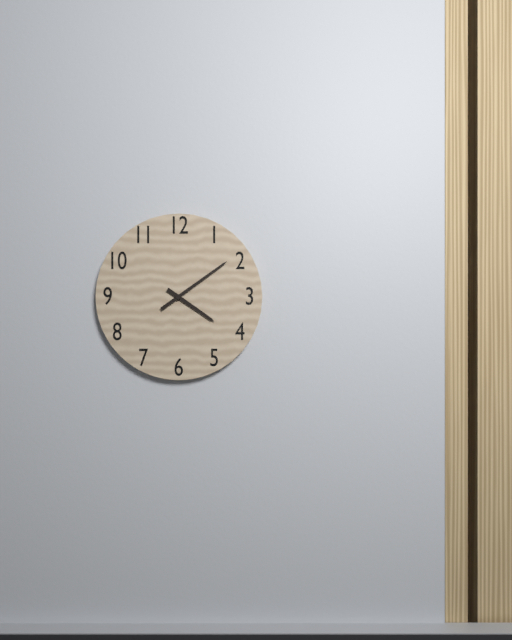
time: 4:09
